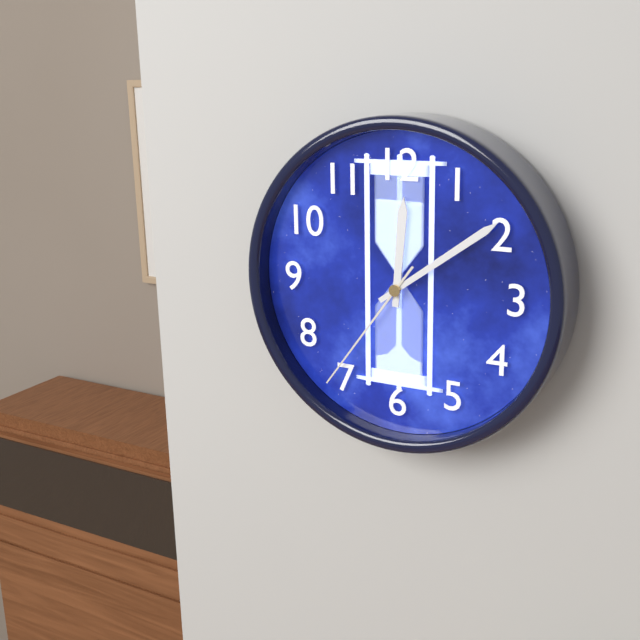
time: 12:09:36
